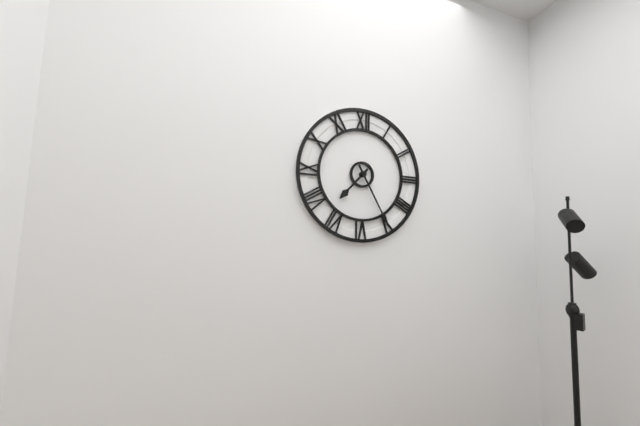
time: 7:25
